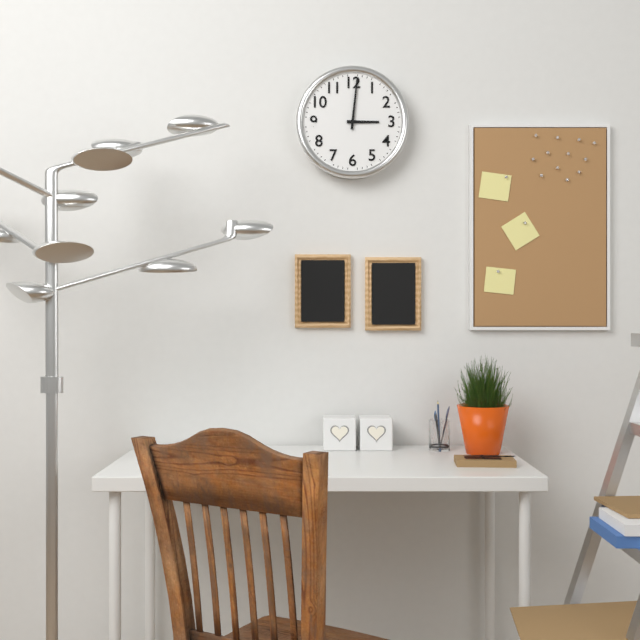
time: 3:01
